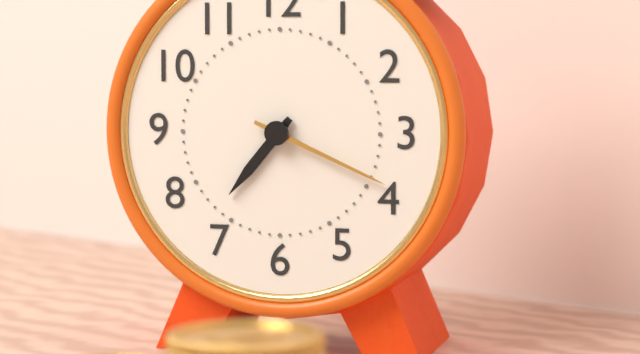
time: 7:19
